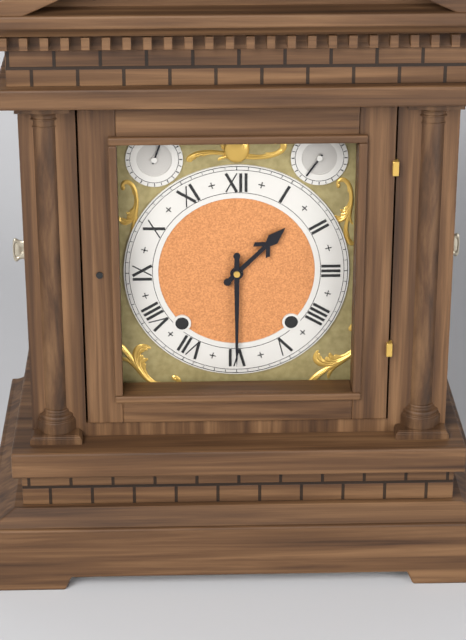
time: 1:30
